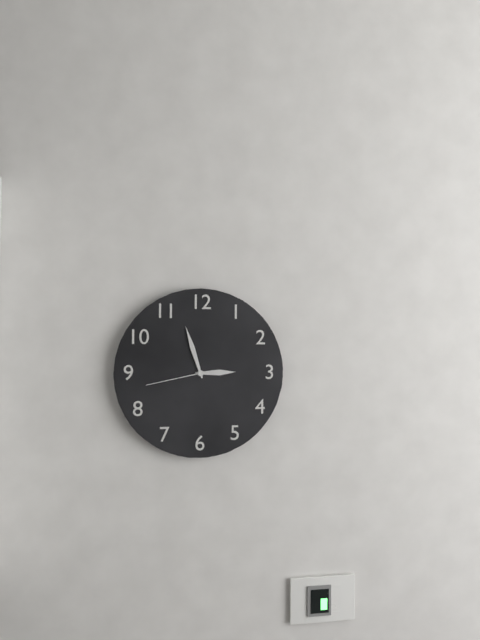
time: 2:57:43
